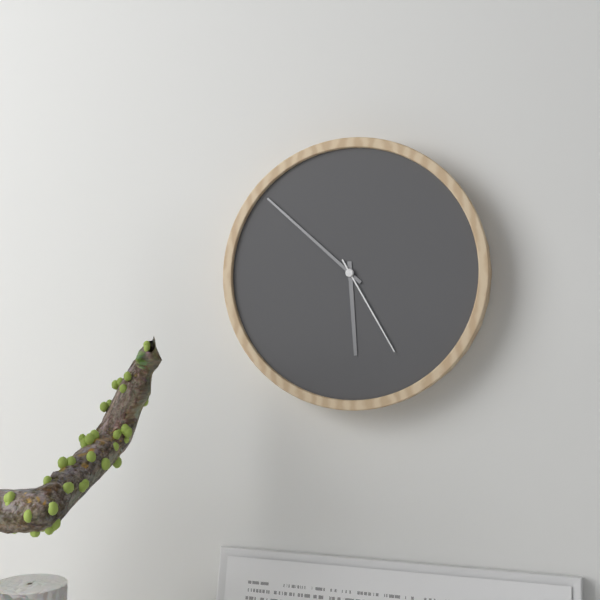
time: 5:52:25
